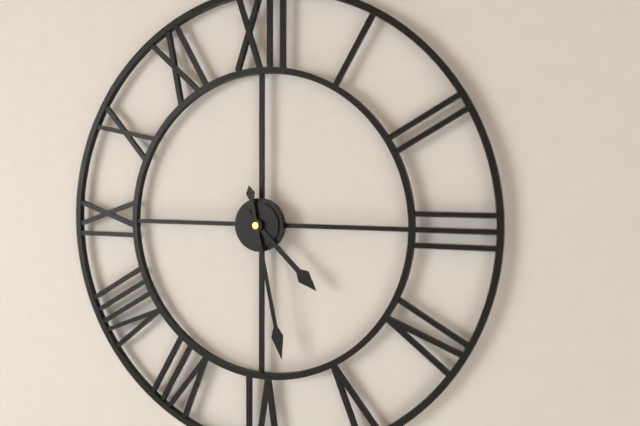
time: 4:28
